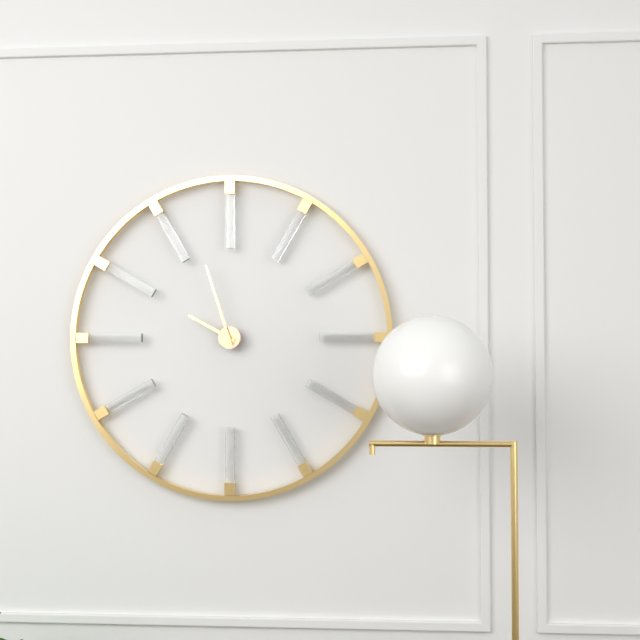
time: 9:57
